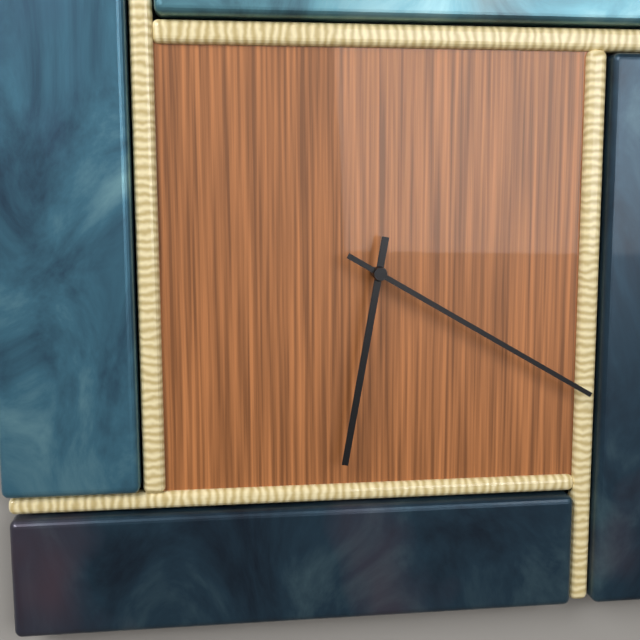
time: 6:20
